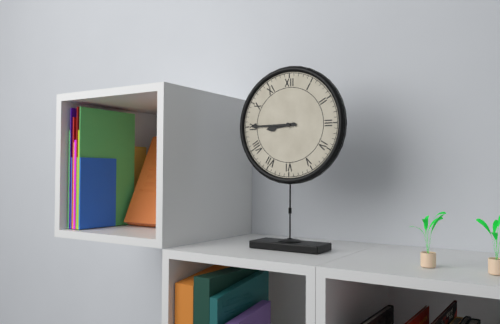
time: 8:45
